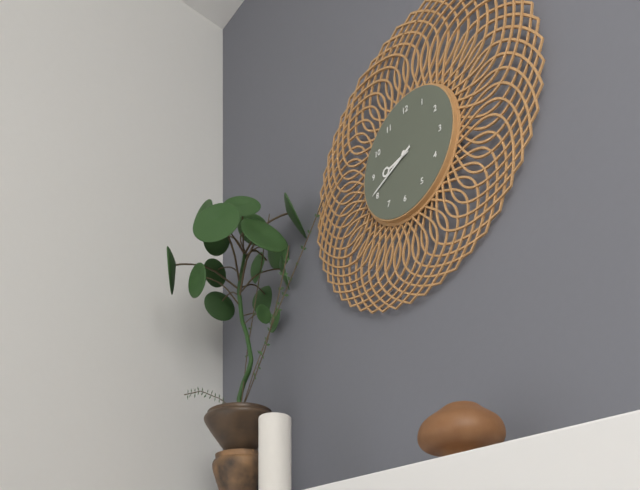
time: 8:41
